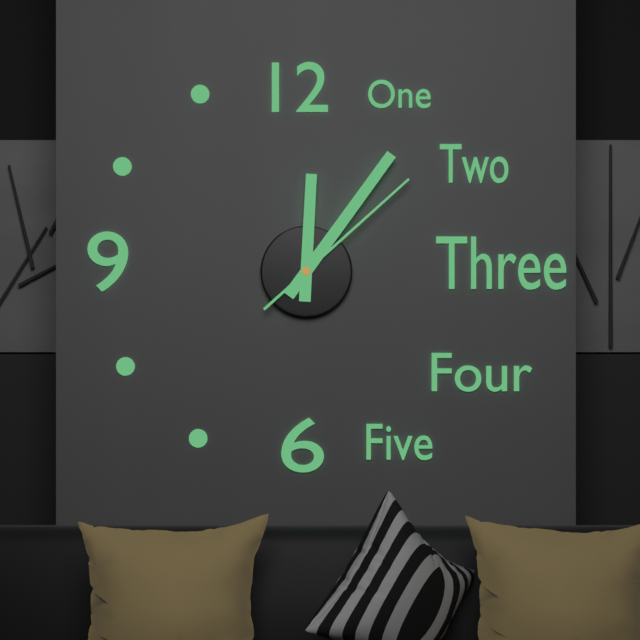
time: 12:06:08
